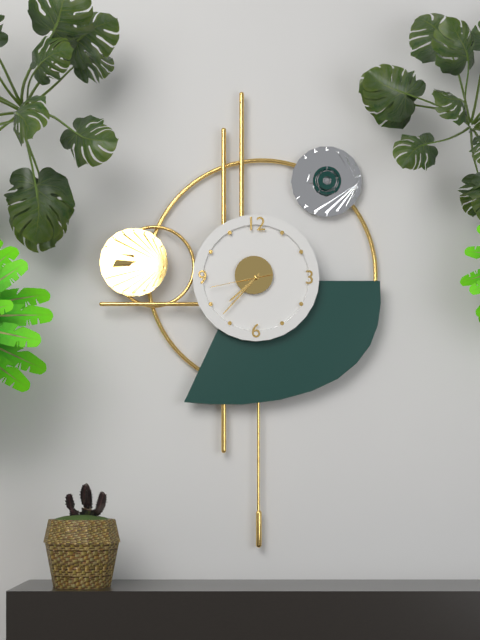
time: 7:37:43
